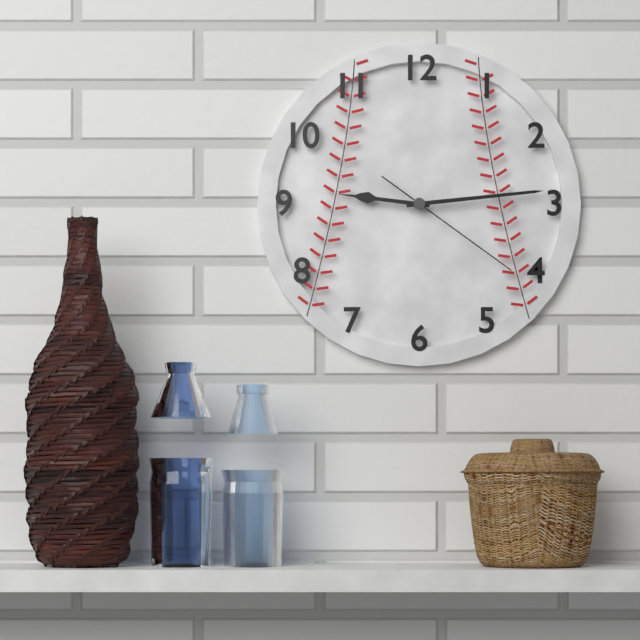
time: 9:14:21
